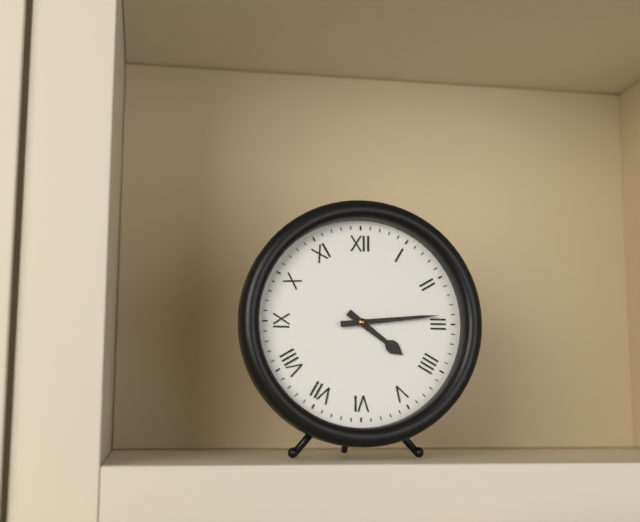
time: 4:14
